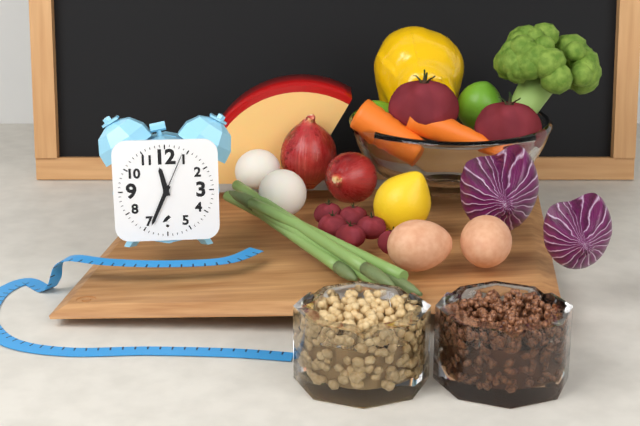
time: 11:34:04
